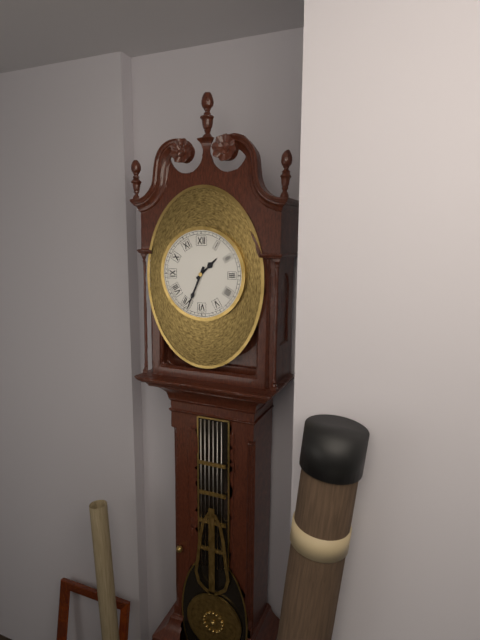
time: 1:34
